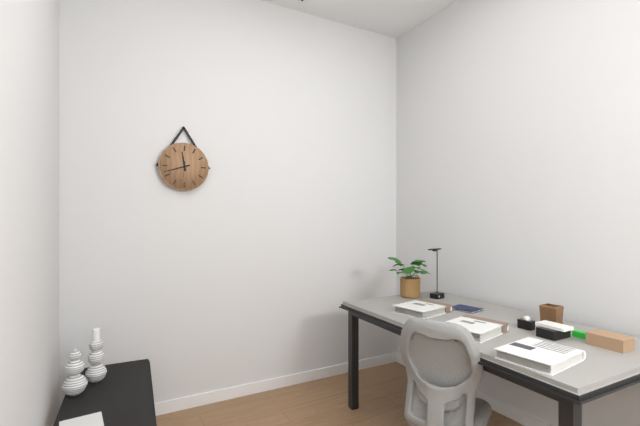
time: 11:42
